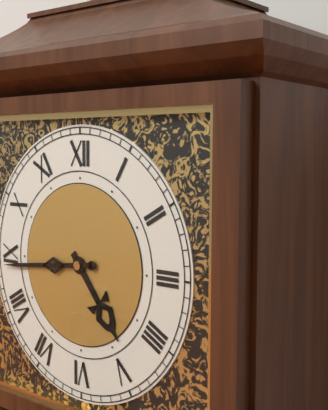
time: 4:44
